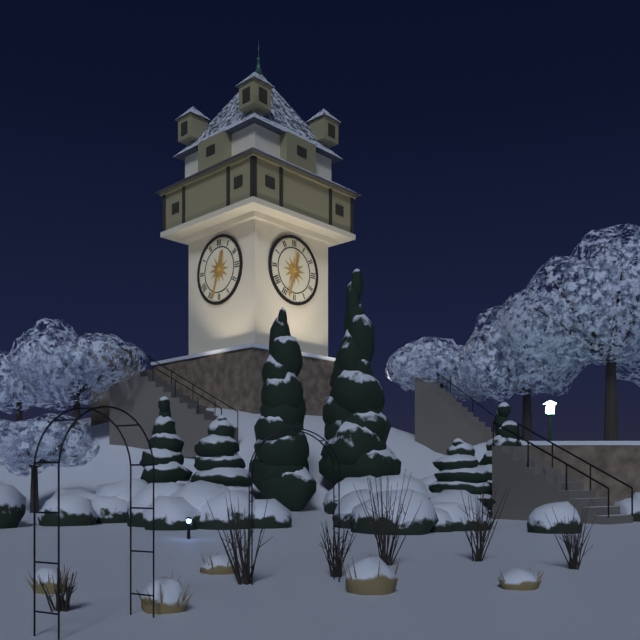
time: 12:33
